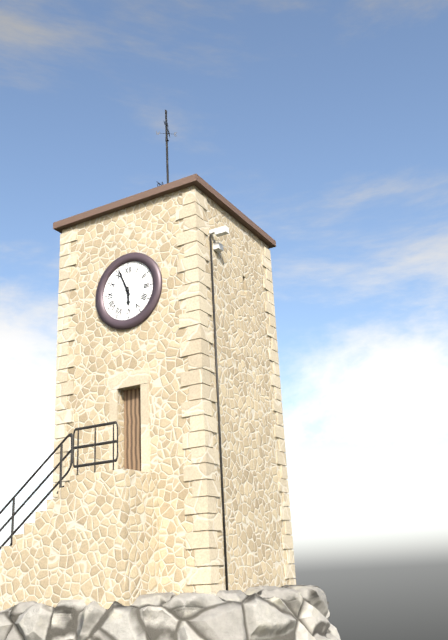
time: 5:56
